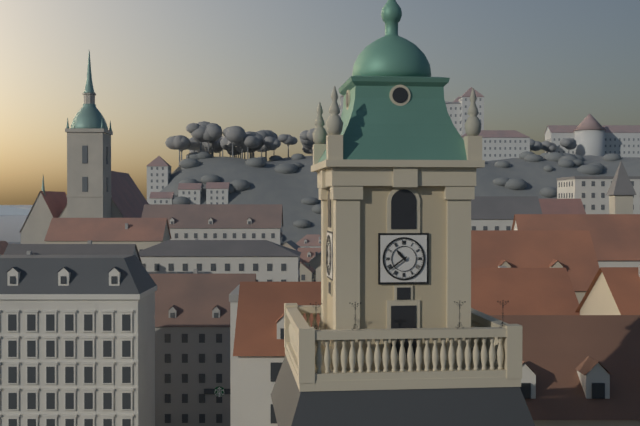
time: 10:39
